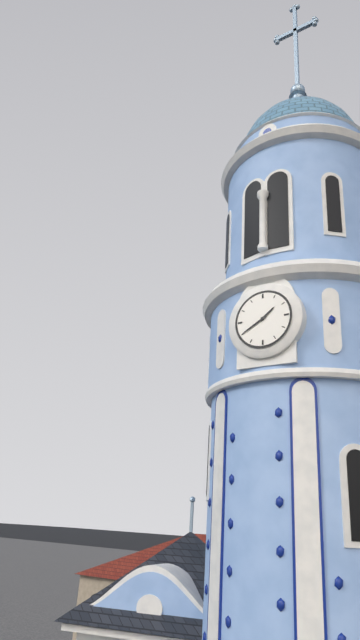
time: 1:40
